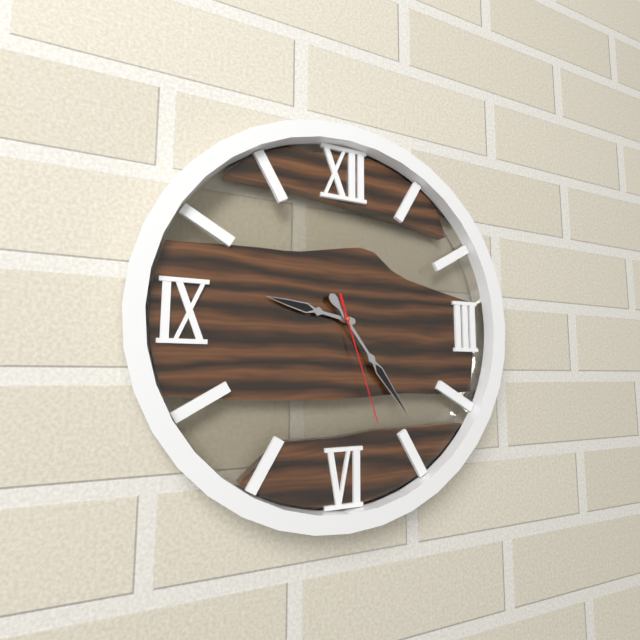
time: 9:24:27
